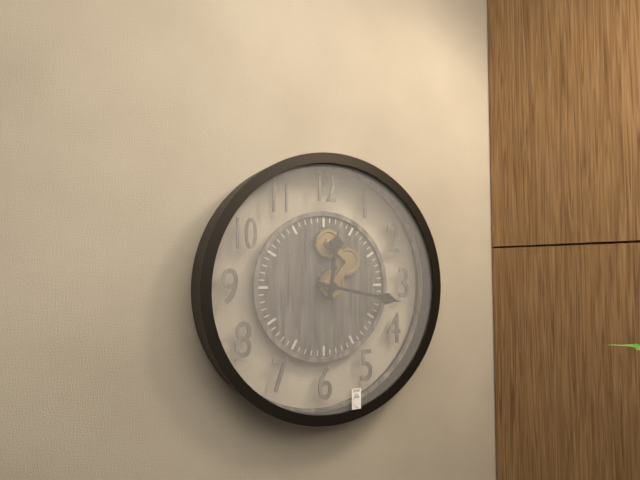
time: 12:17
